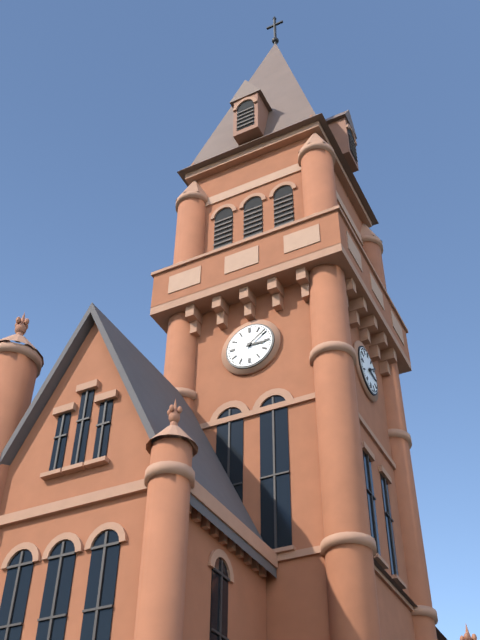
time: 3:09
